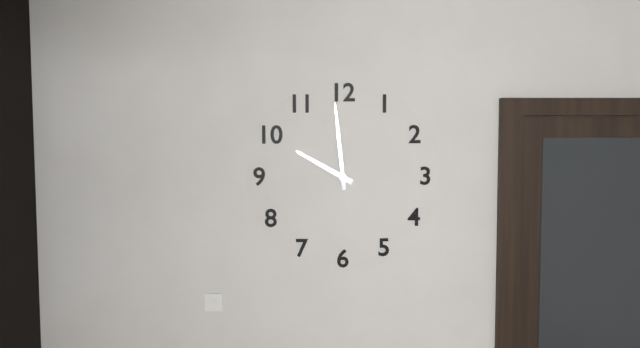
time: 9:59
